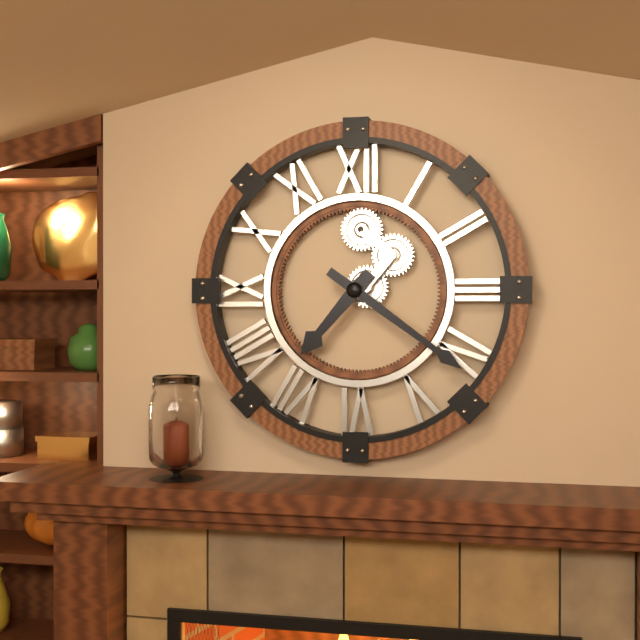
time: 7:21
